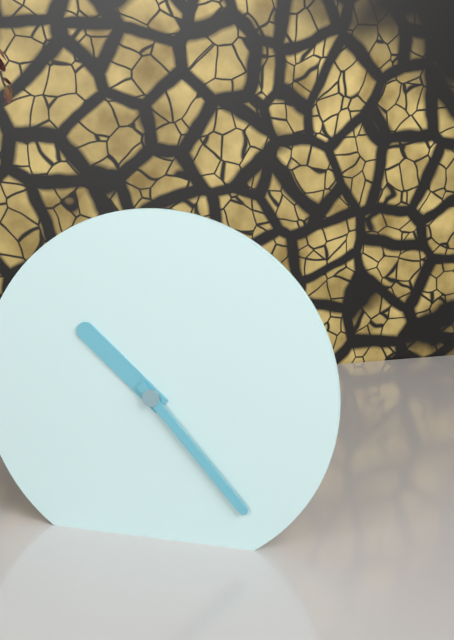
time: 10:23
